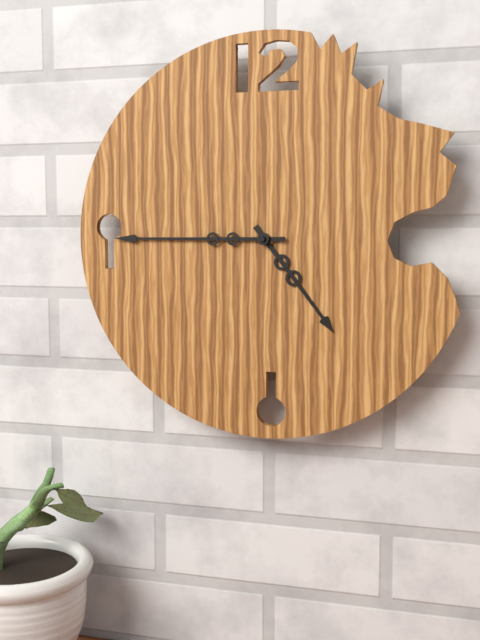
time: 4:45
